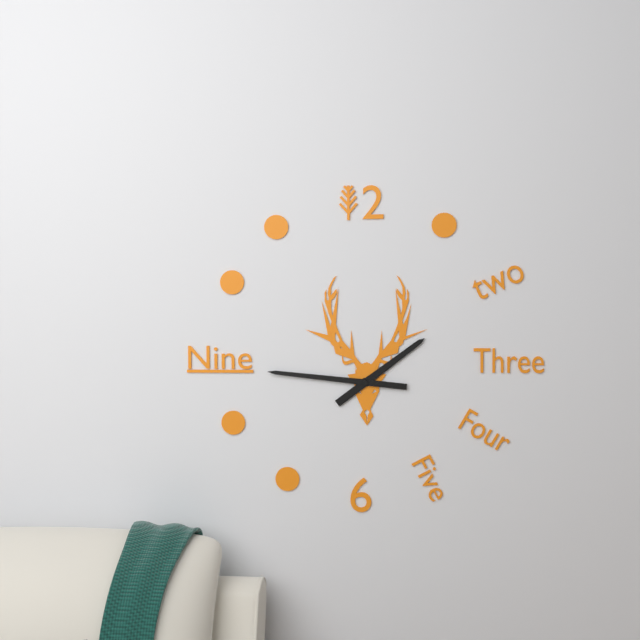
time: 1:46
